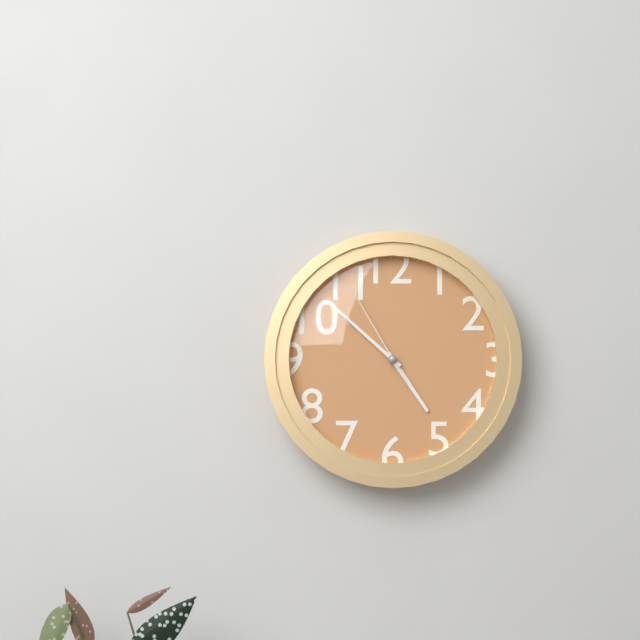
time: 4:52:55
